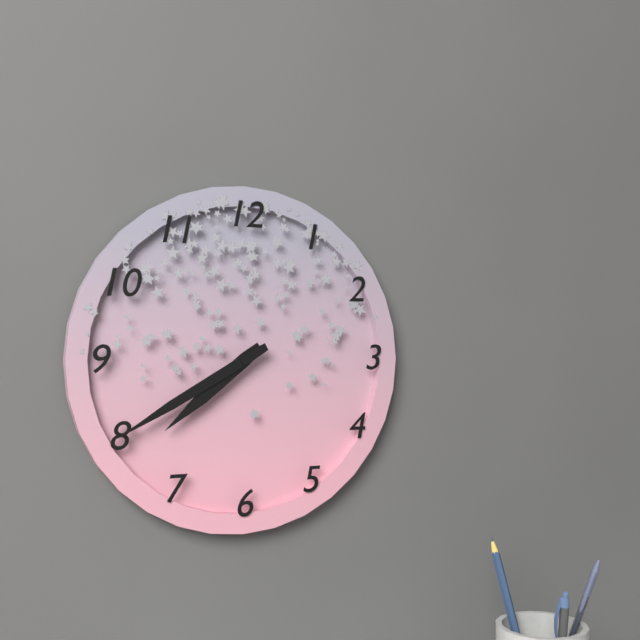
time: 7:40
